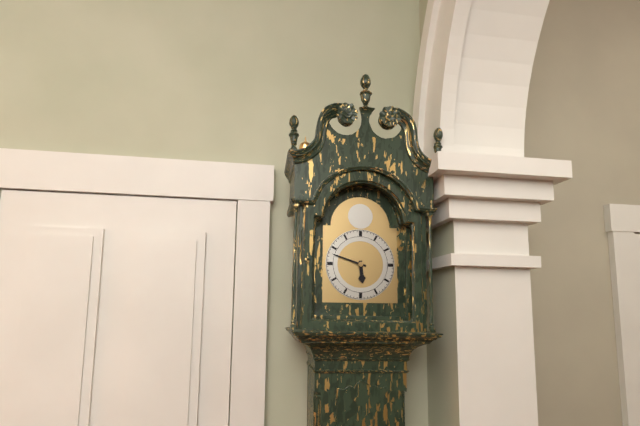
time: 5:48
